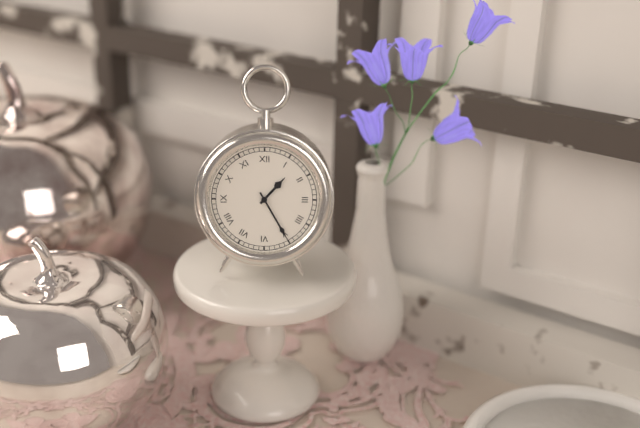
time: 1:25
